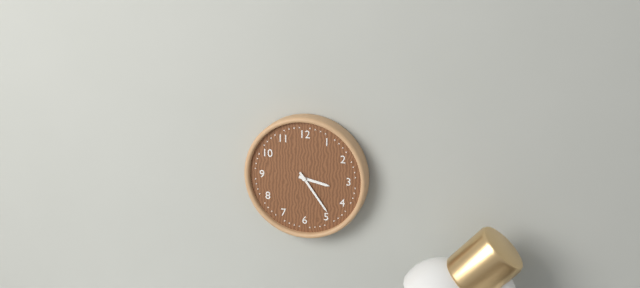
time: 3:24
